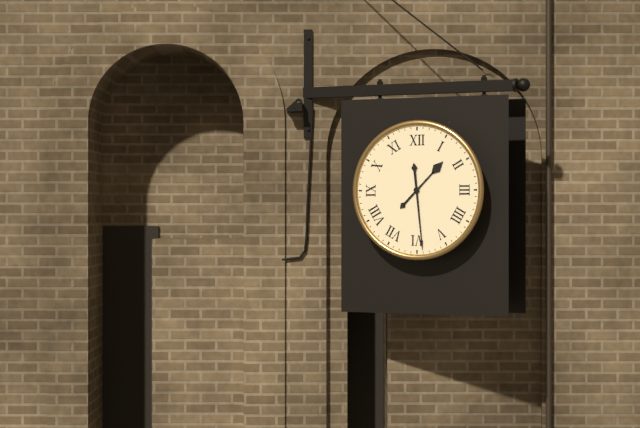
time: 1:29
